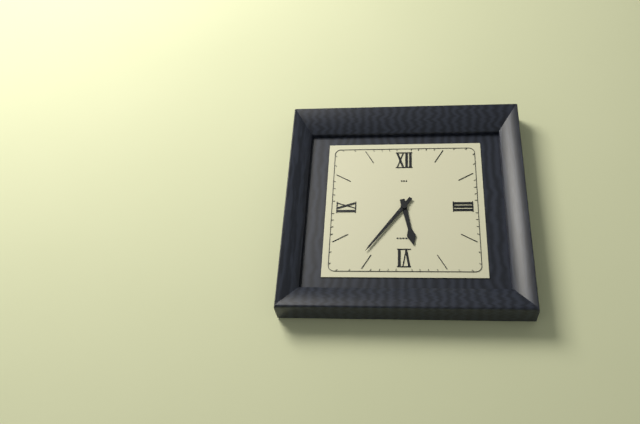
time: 5:36
